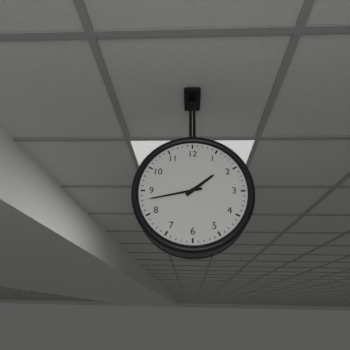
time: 1:43
